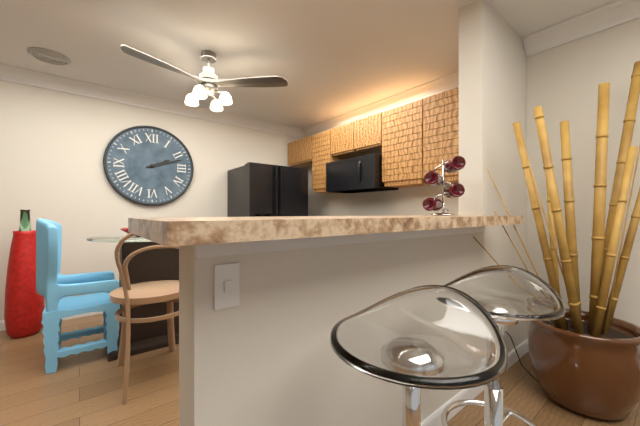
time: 2:12
